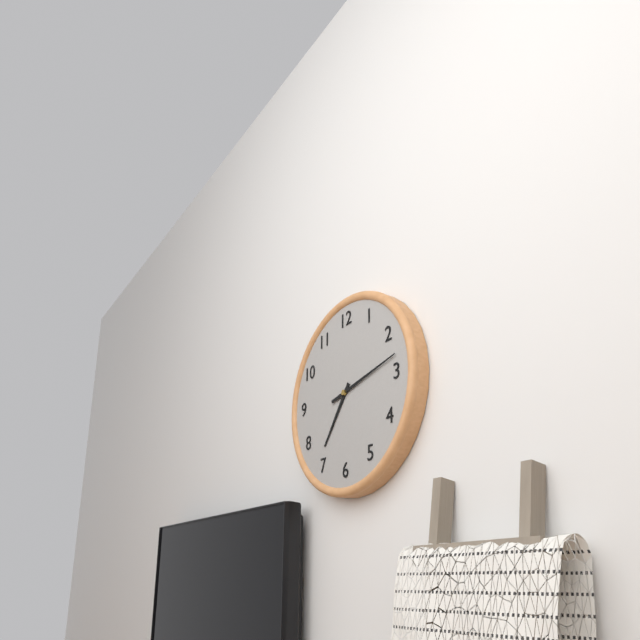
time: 7:13
